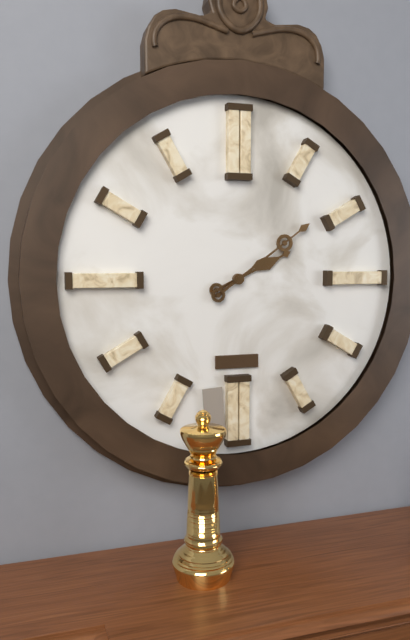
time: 2:09
